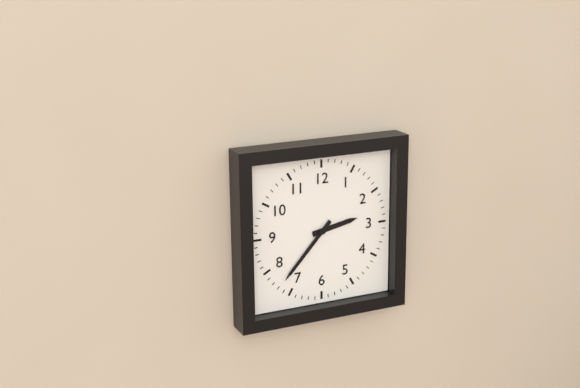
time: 2:37
